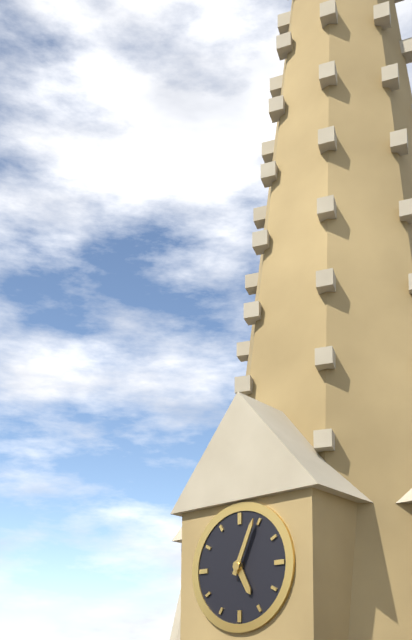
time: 5:04
